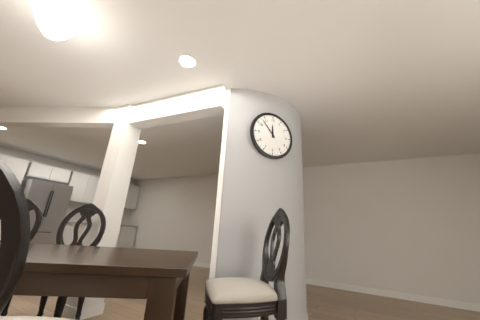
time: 11:53
